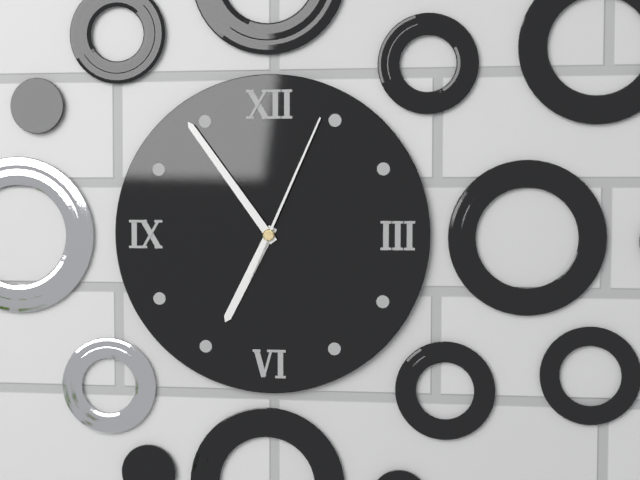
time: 6:54:04
